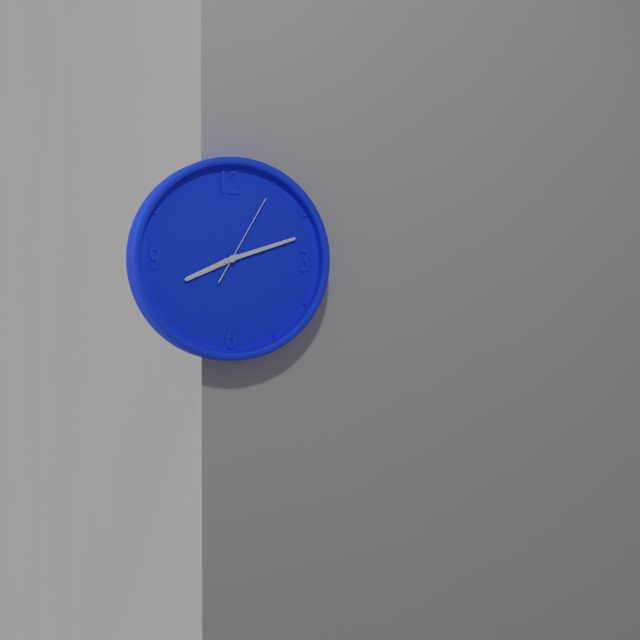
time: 8:12:05
